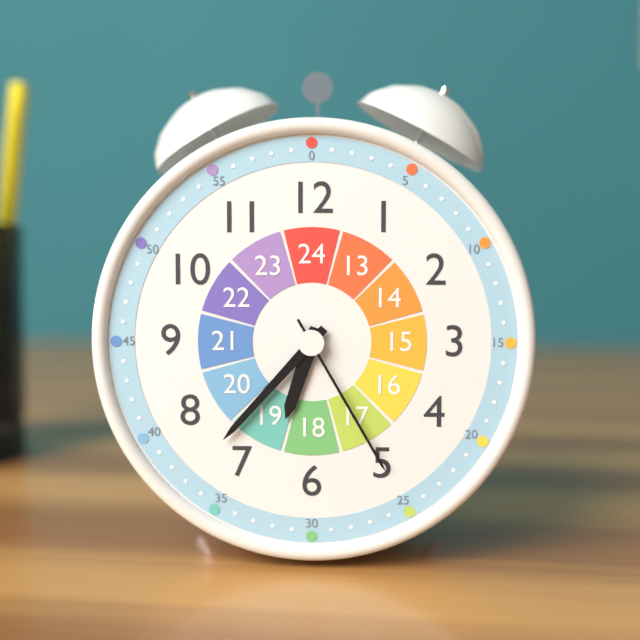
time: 6:37:25
